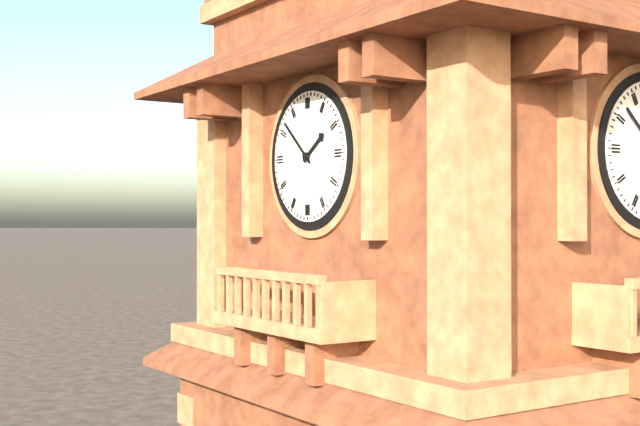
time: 1:52
